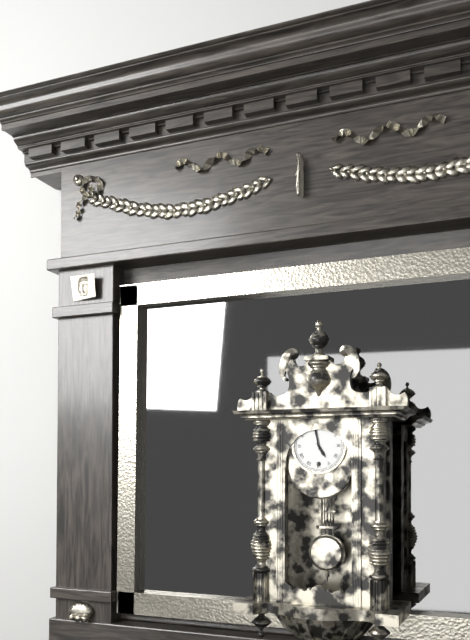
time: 4:58
